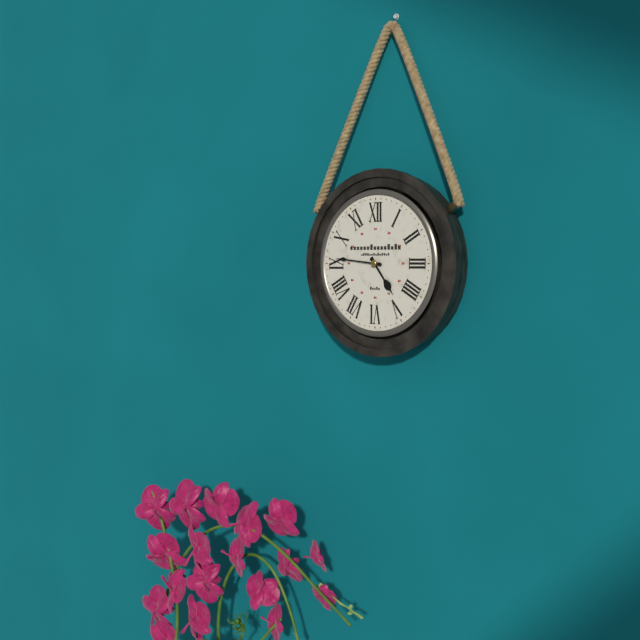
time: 4:46
